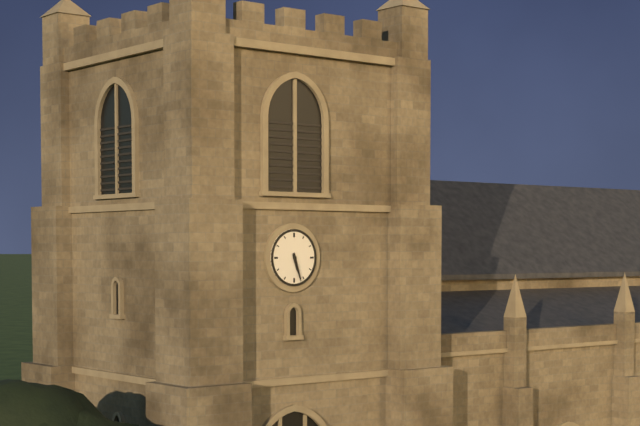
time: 5:27
